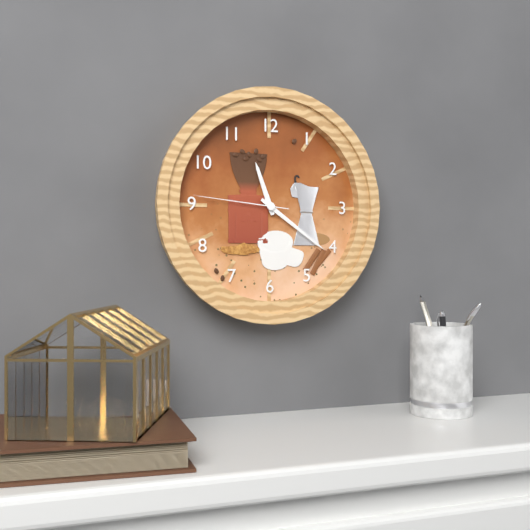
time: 11:21:46
